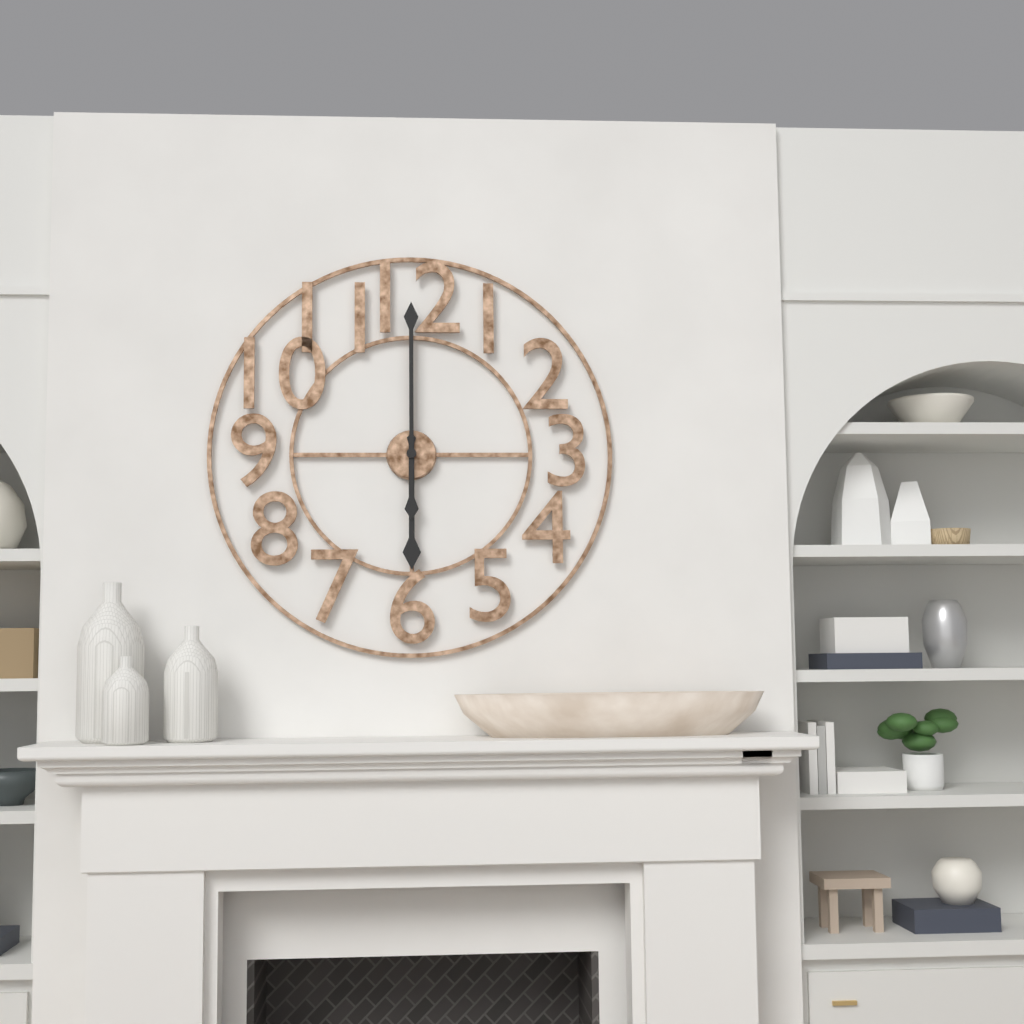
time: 6:00
